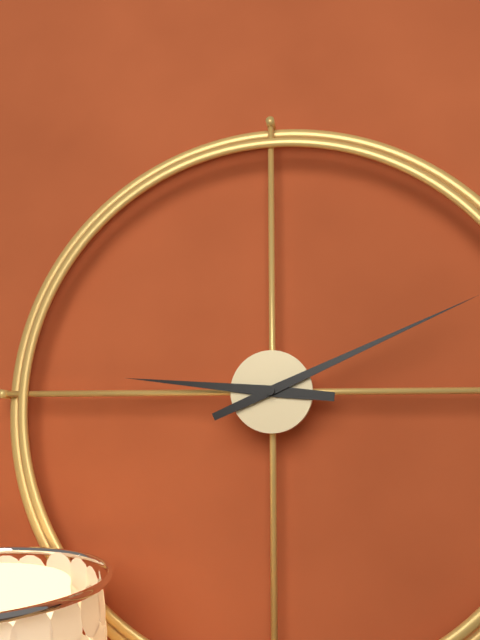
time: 9:11
